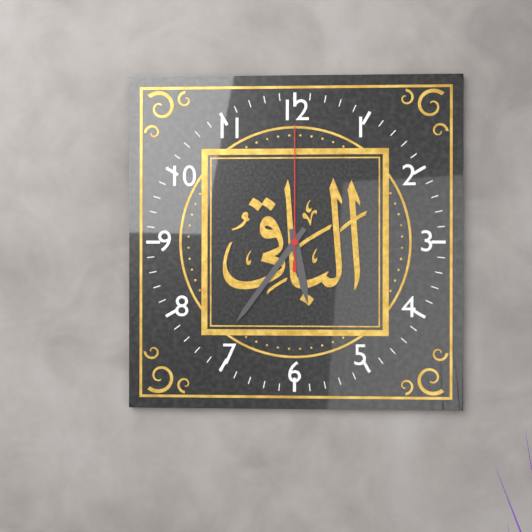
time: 5:36:00
